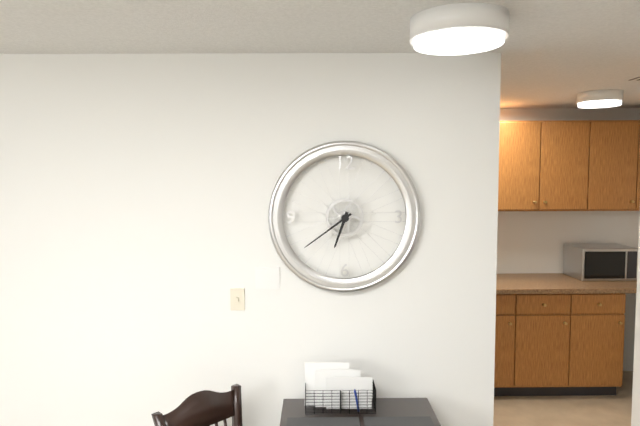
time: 6:39
